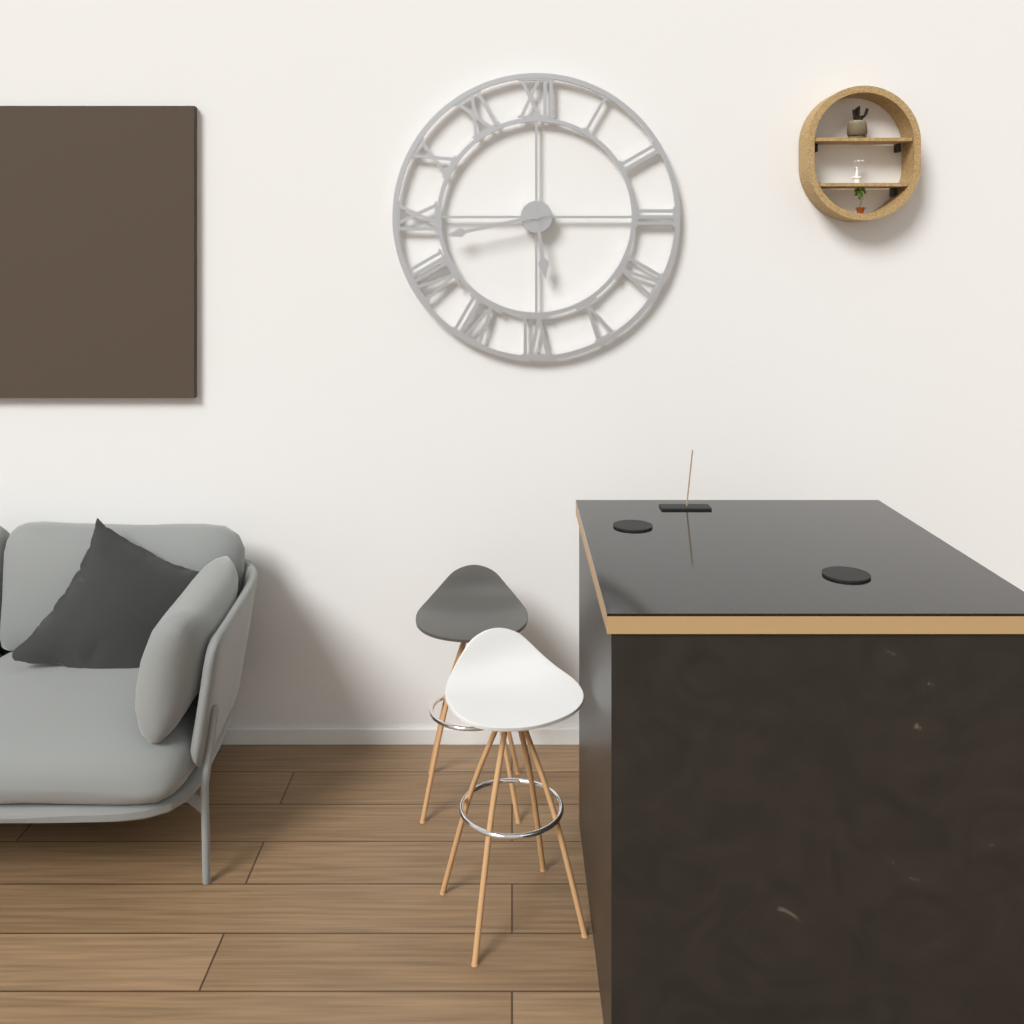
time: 5:43
